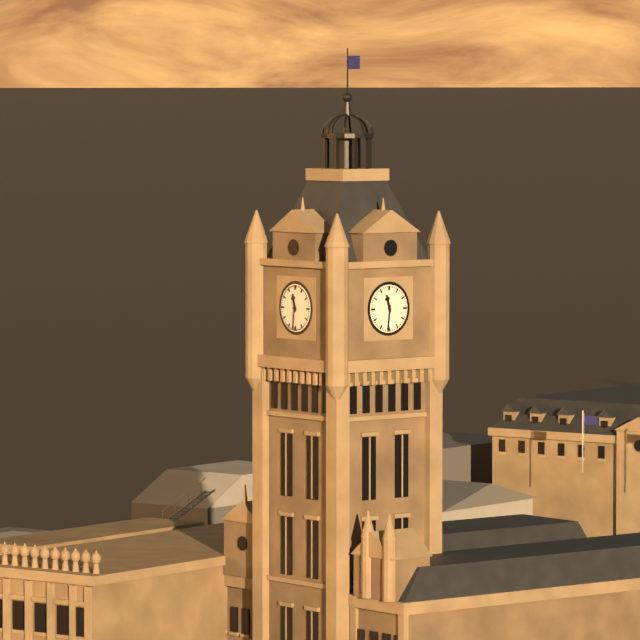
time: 11:31
